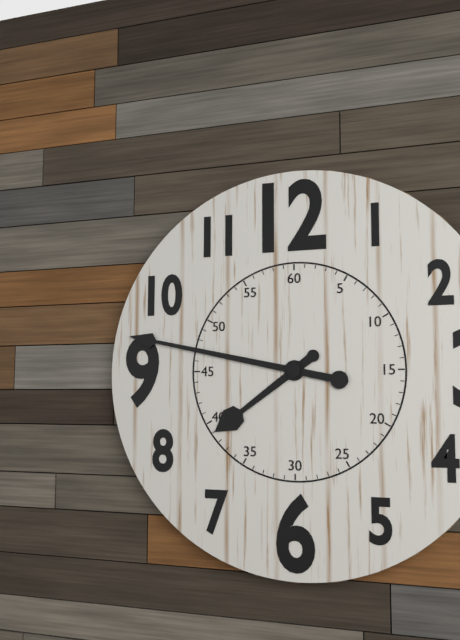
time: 7:47
